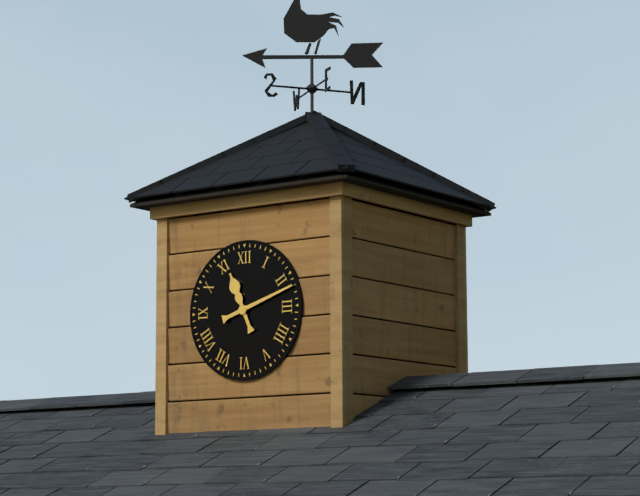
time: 11:12
